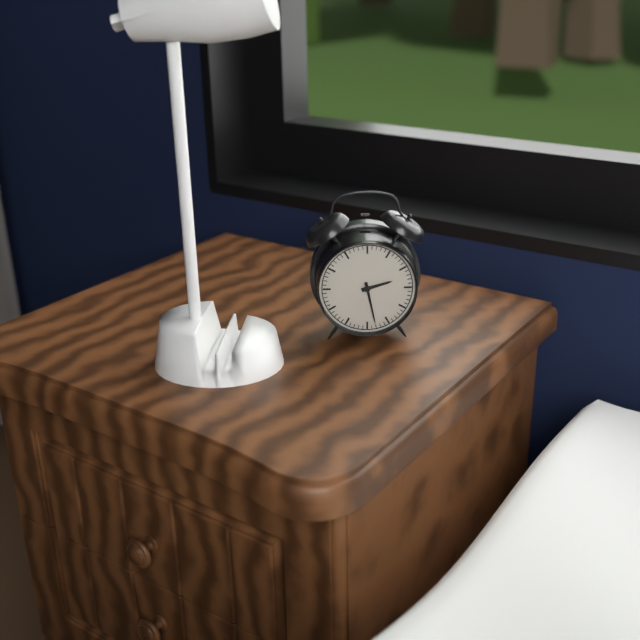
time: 2:28
